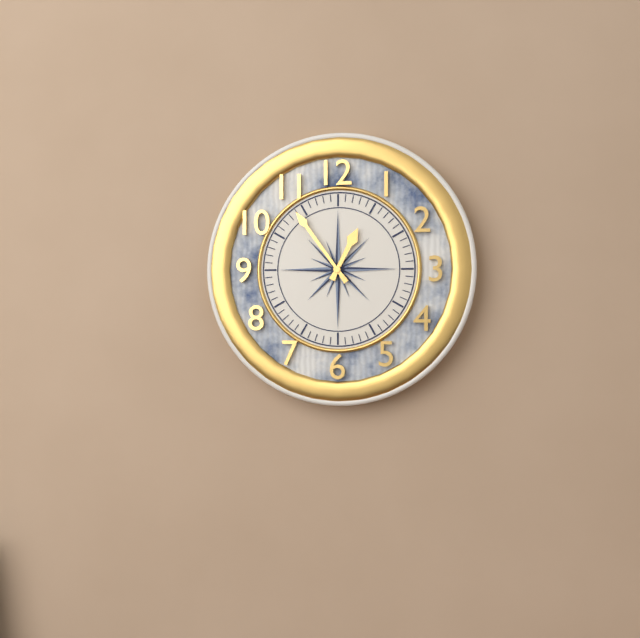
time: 12:54
